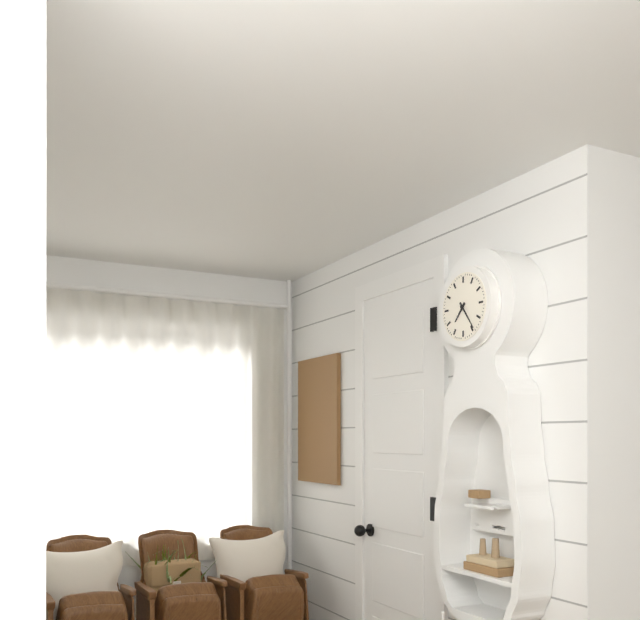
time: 7:24
